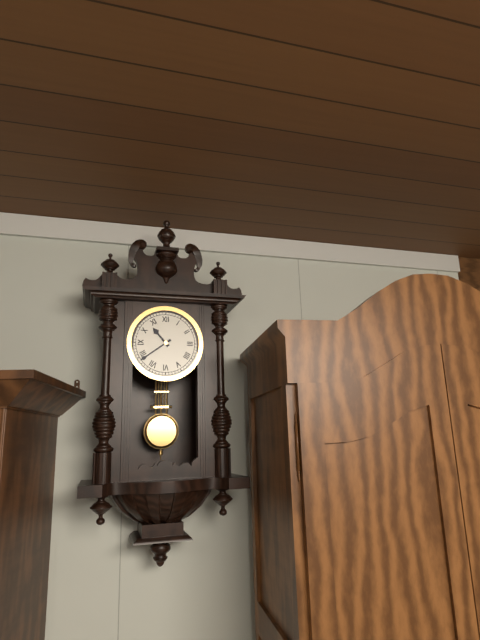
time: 10:39
